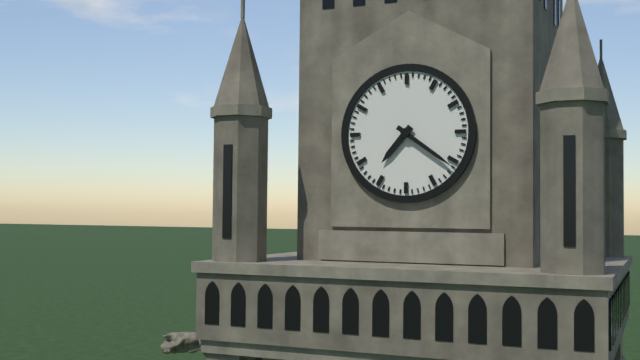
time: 7:21
